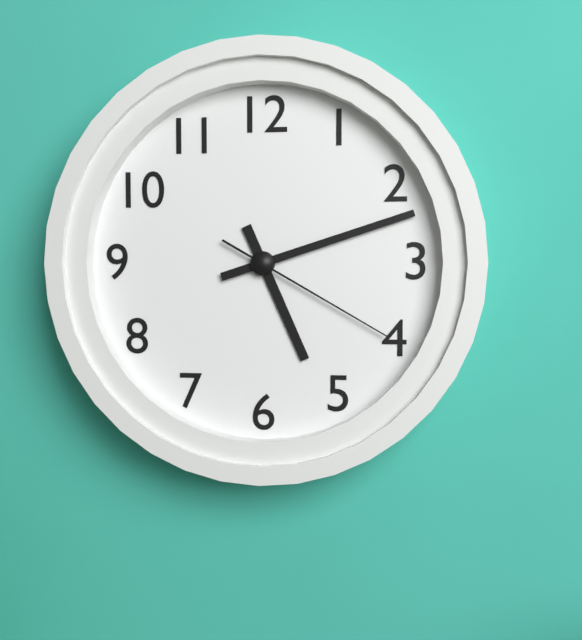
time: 5:12:20
